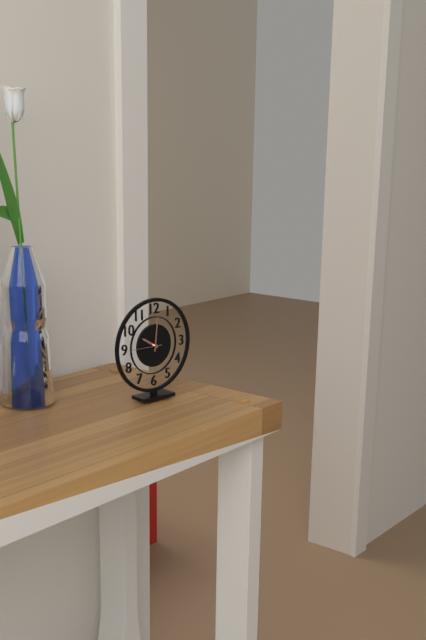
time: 10:01
